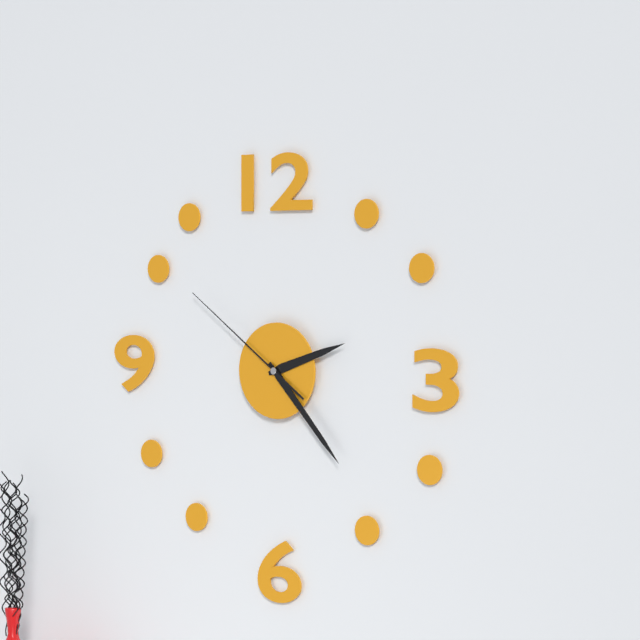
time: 2:23:51
